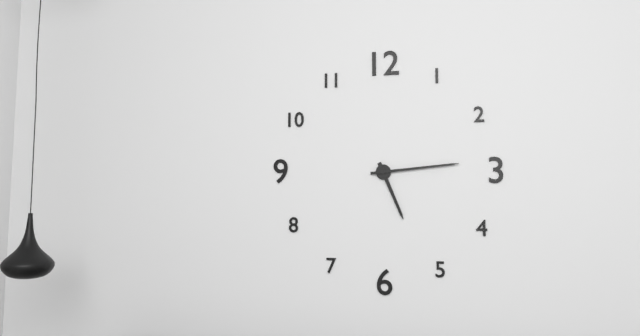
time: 5:14
